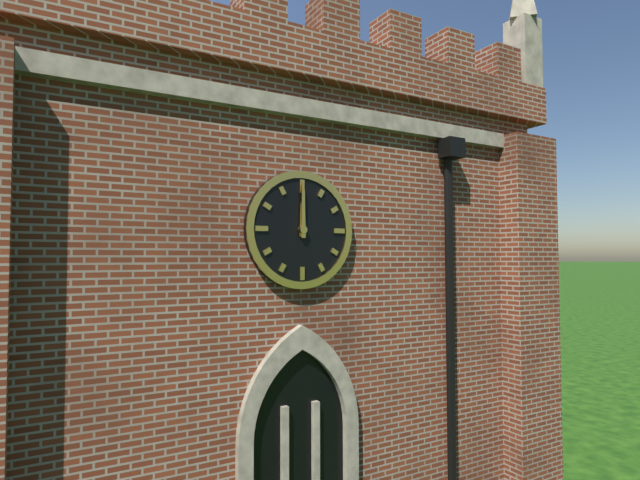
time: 12:00
